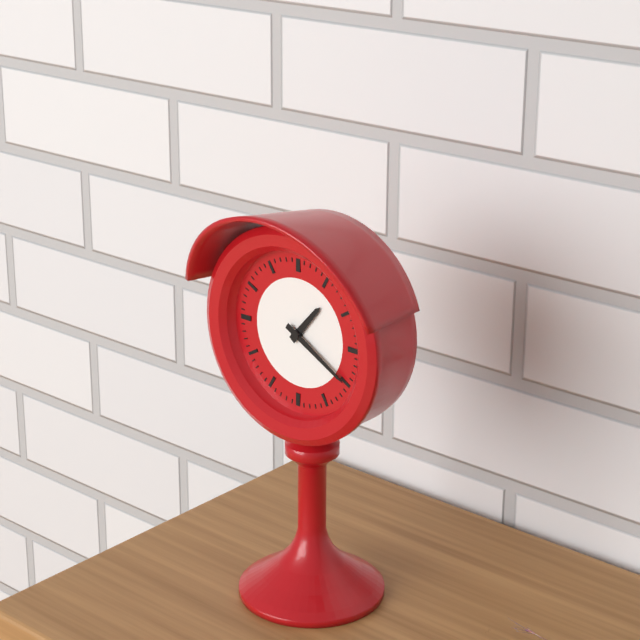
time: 1:20
